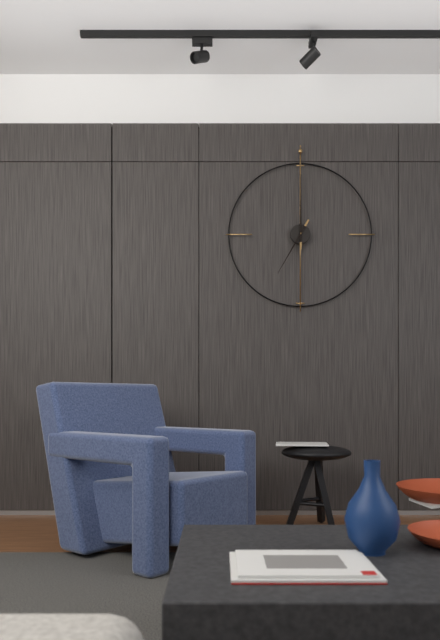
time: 7:00
